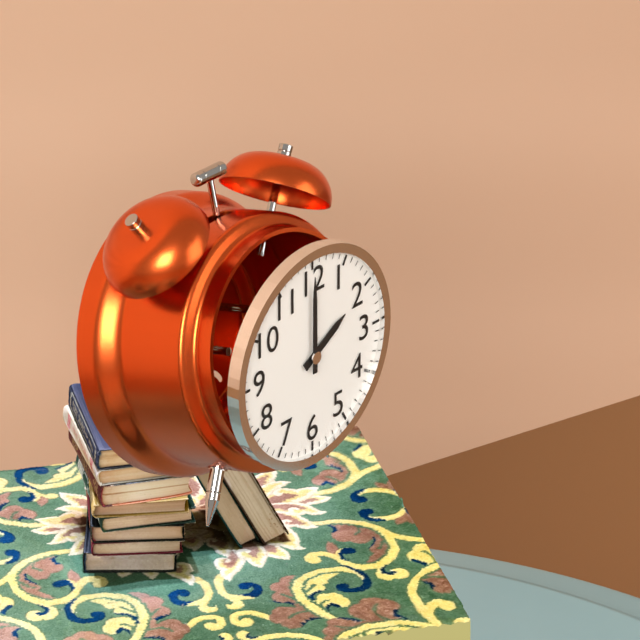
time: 2:00
